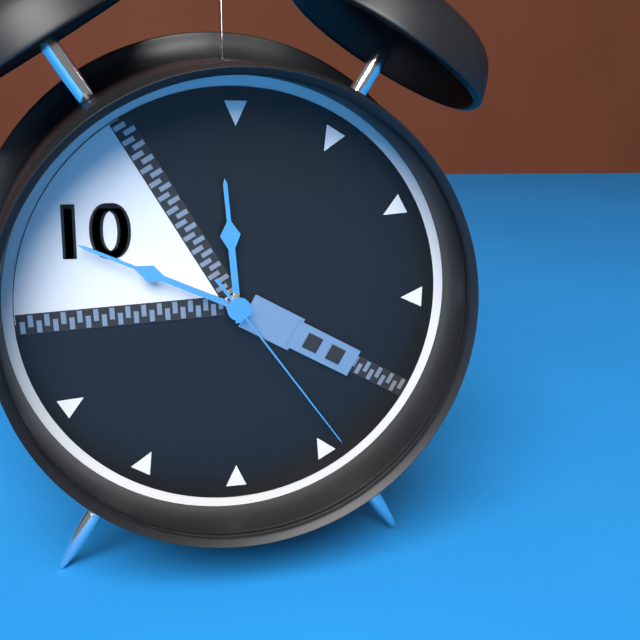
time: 11:49:24
